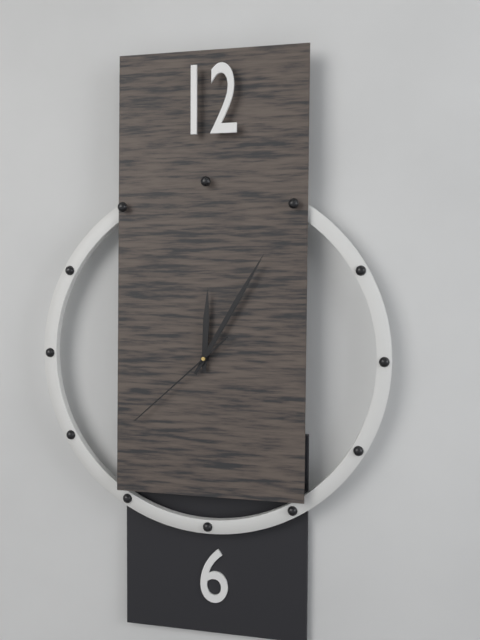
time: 12:05:38
